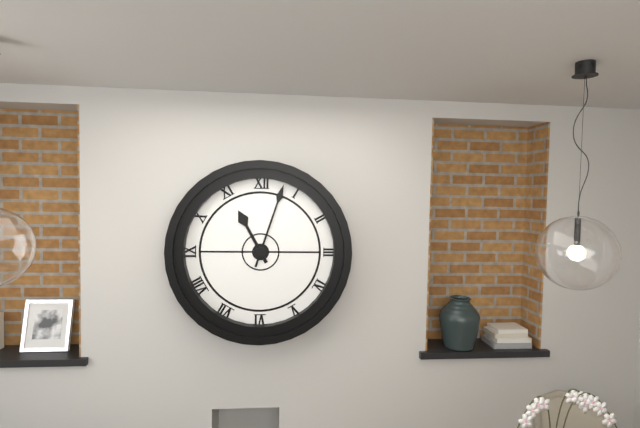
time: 11:03
